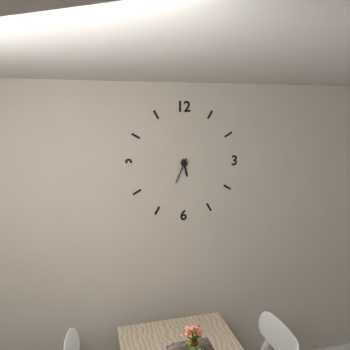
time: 5:34
